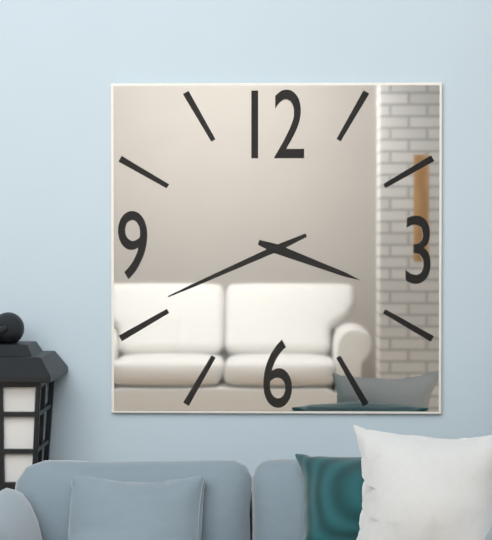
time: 3:41
